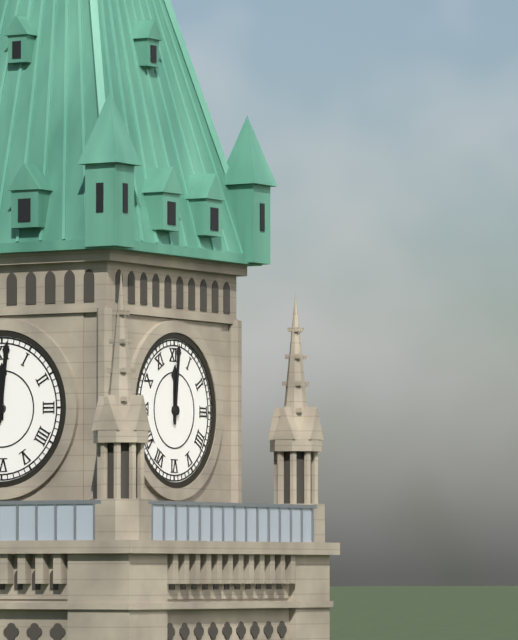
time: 12:01
